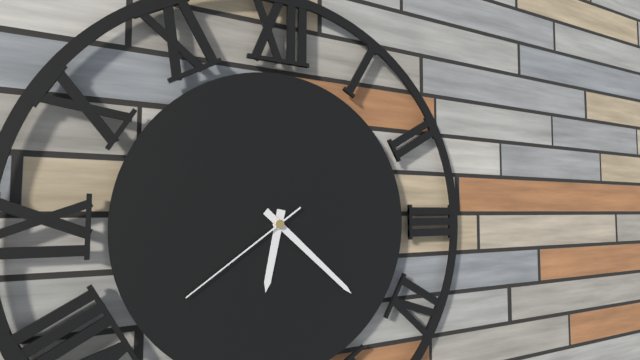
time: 6:22:39
